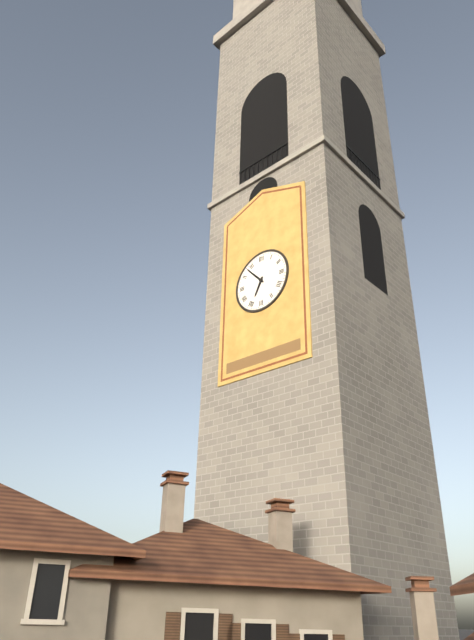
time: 6:53
